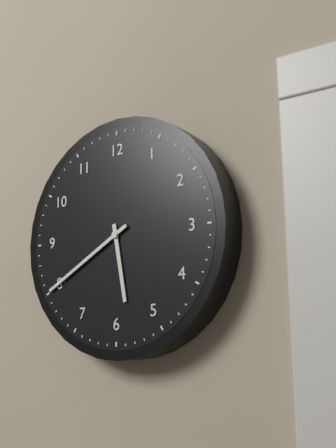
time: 5:40
